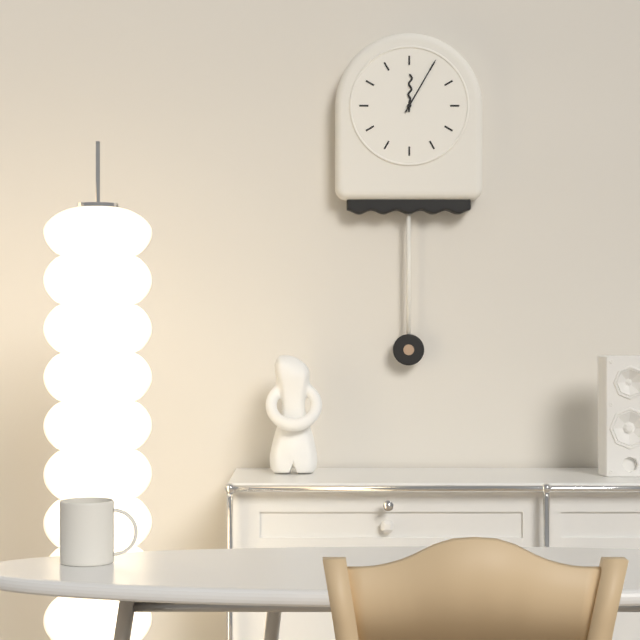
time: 12:05
